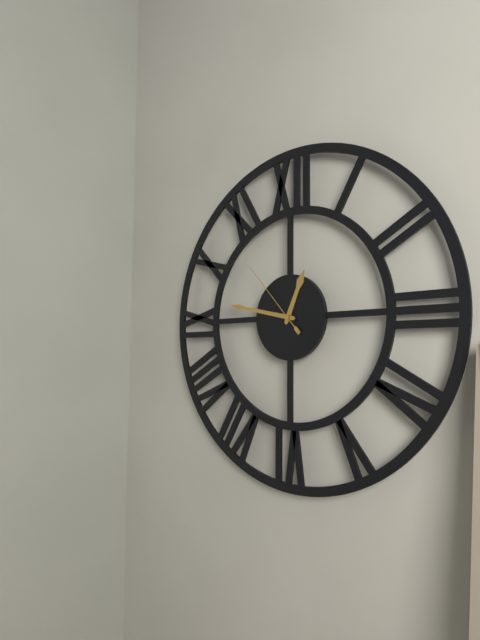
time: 12:47:53
